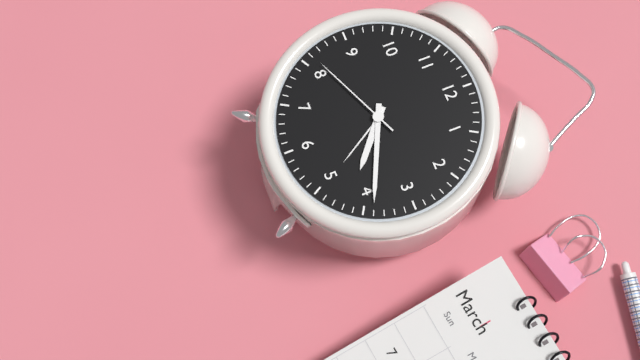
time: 4:19:41
